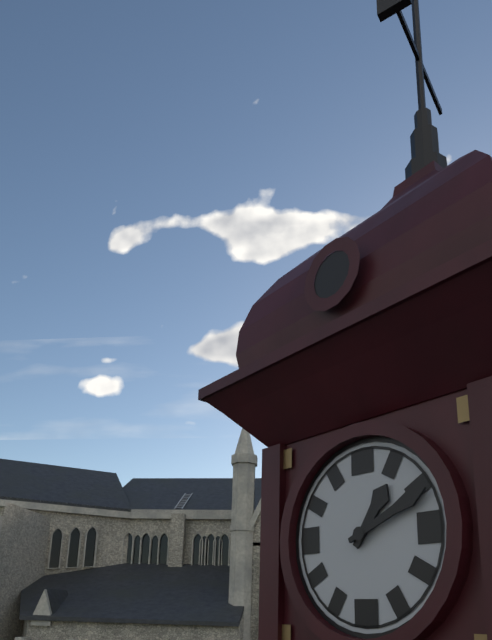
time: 1:11
